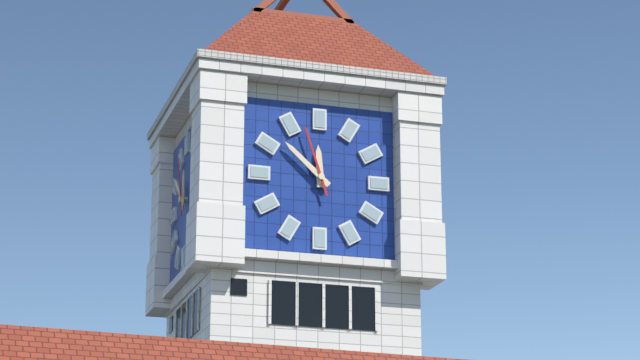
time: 11:52:57
